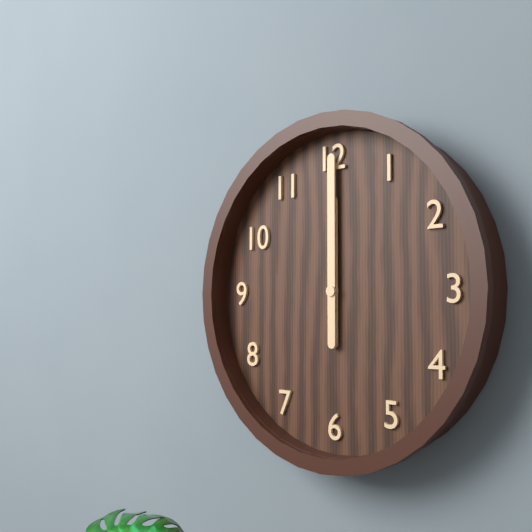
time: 12:00
